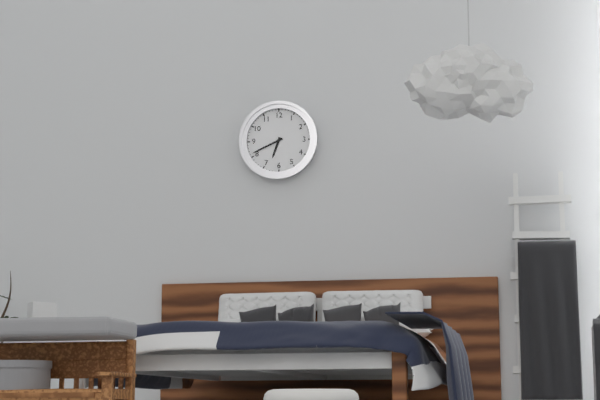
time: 6:41
